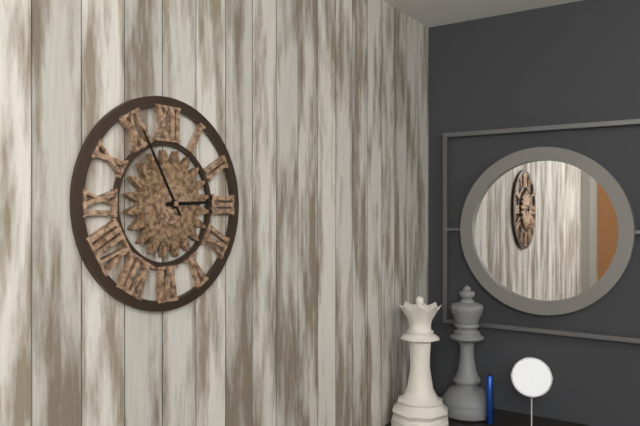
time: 2:55
